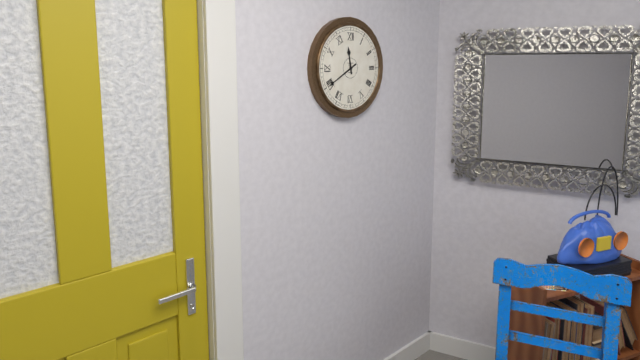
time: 11:40
